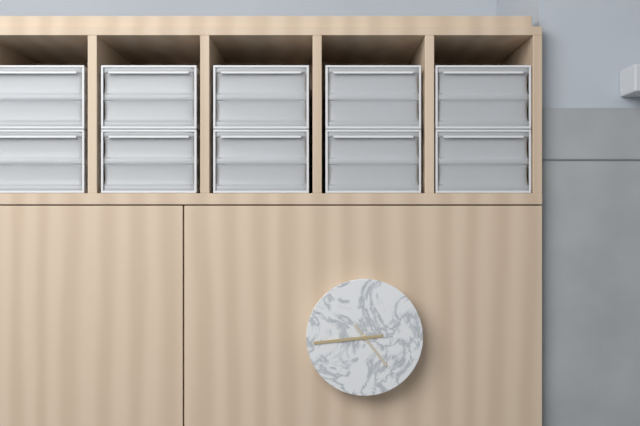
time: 4:44
